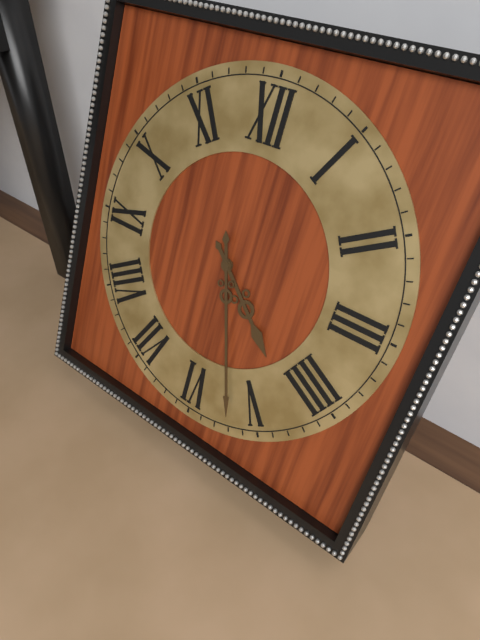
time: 4:27
